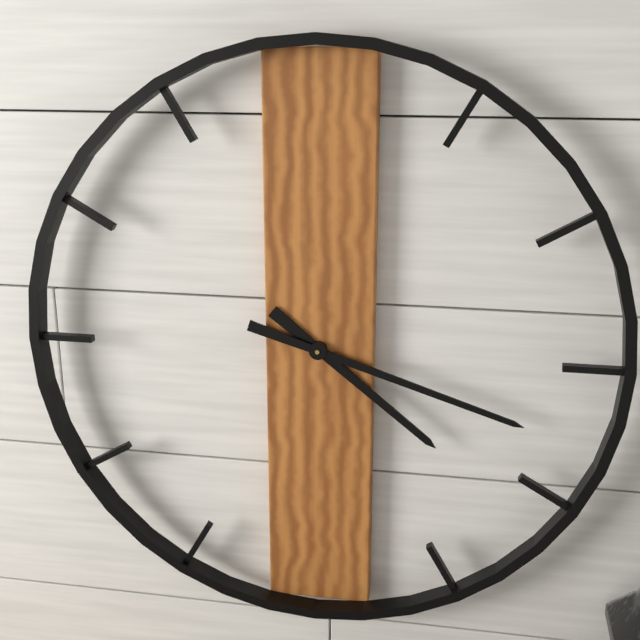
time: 4:18
